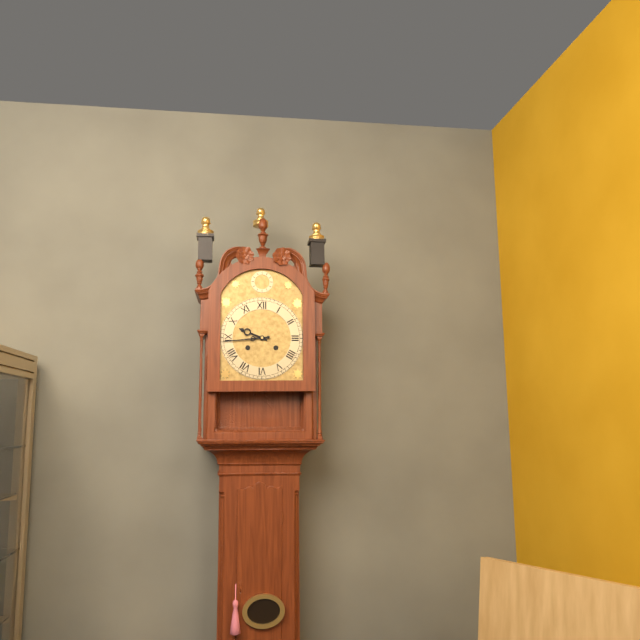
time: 9:44
